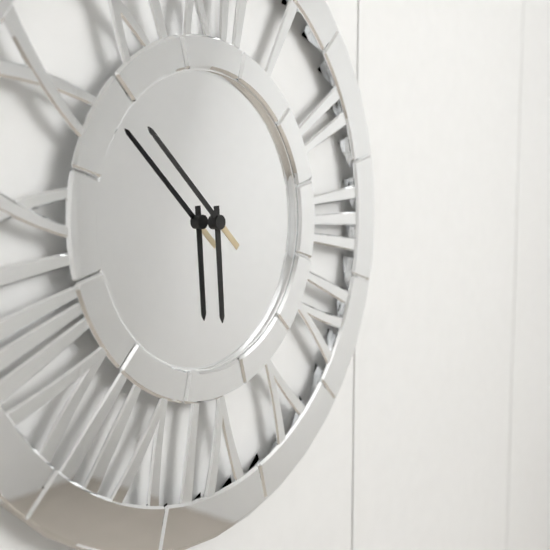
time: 5:52
